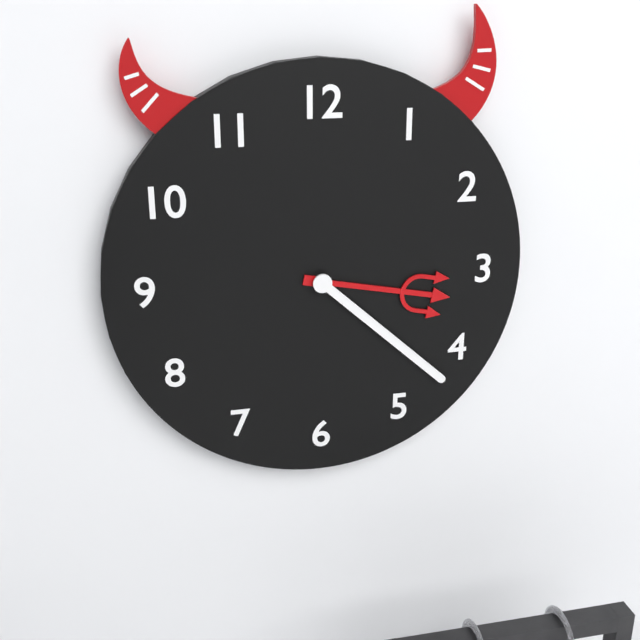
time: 3:22
